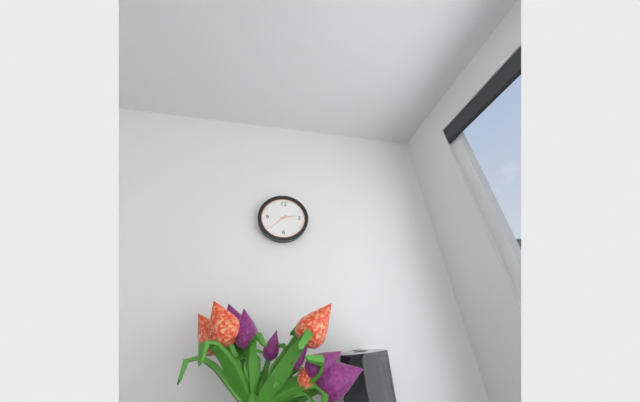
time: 2:38
